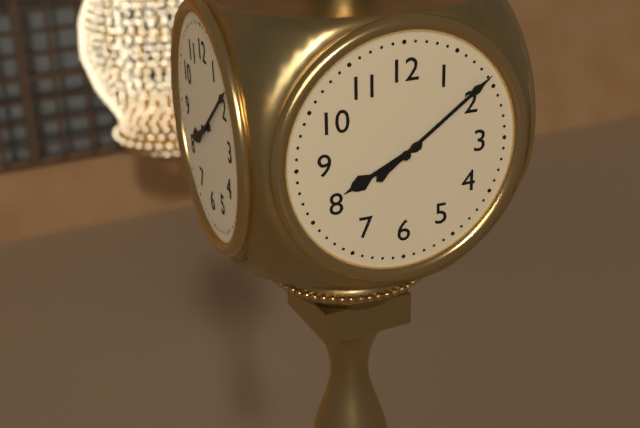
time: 8:09
